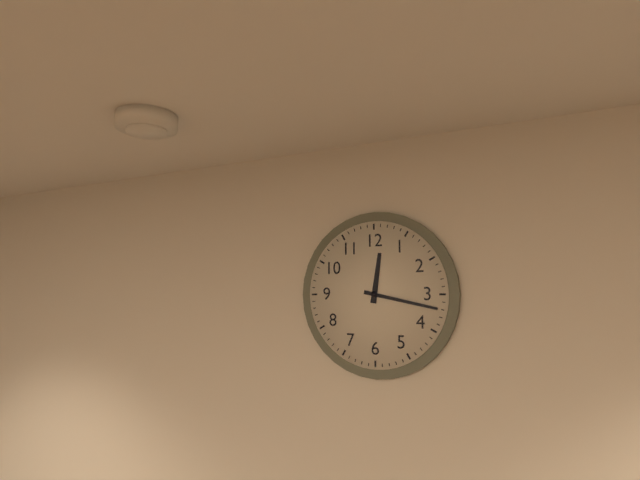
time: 12:17
